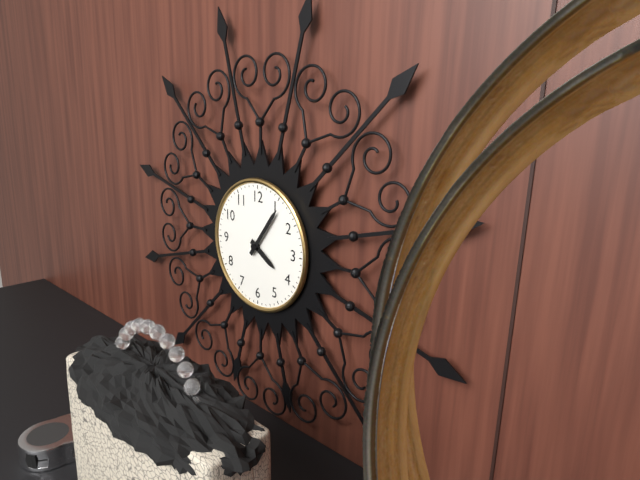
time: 4:06
